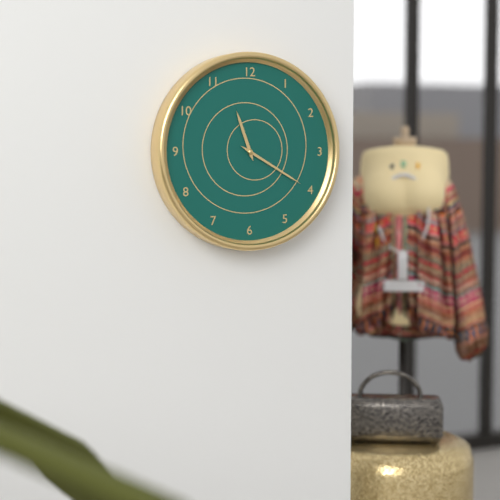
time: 11:20
